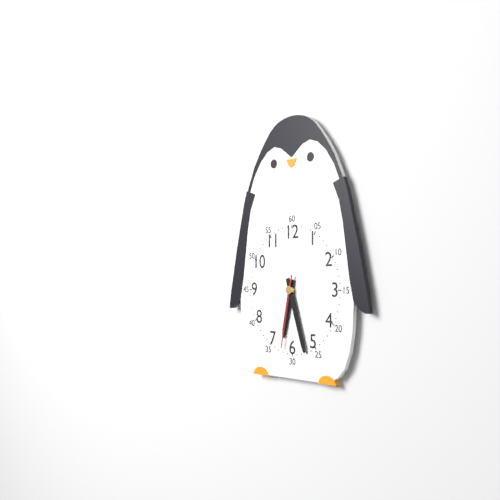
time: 6:27:32
